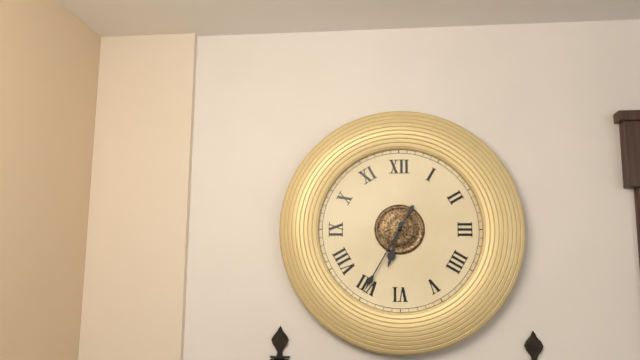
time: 6:35
